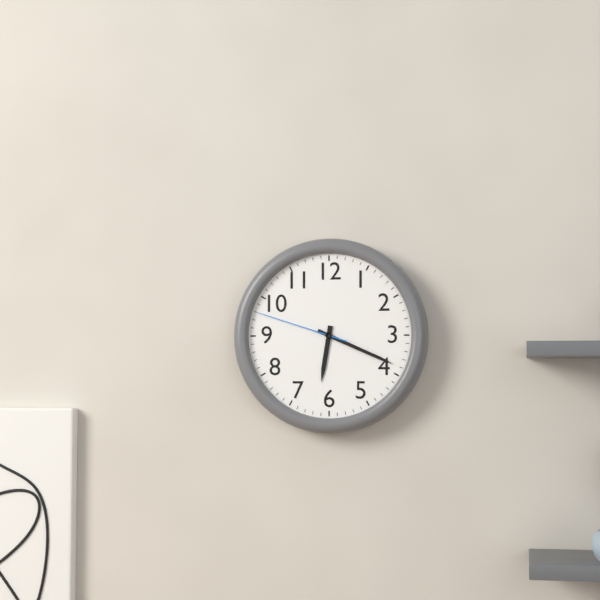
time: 6:19:48
